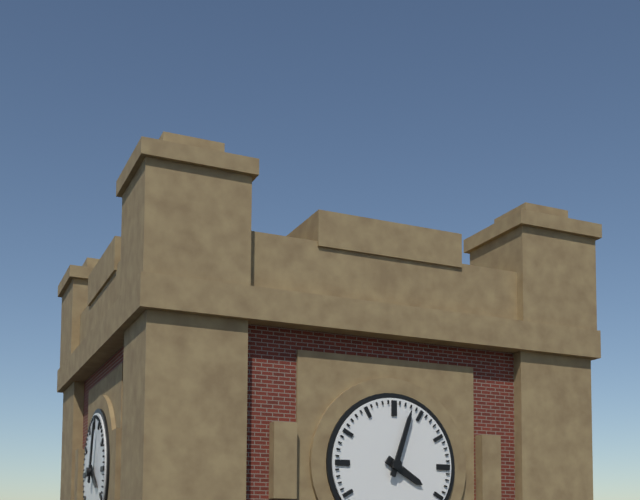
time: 4:03
